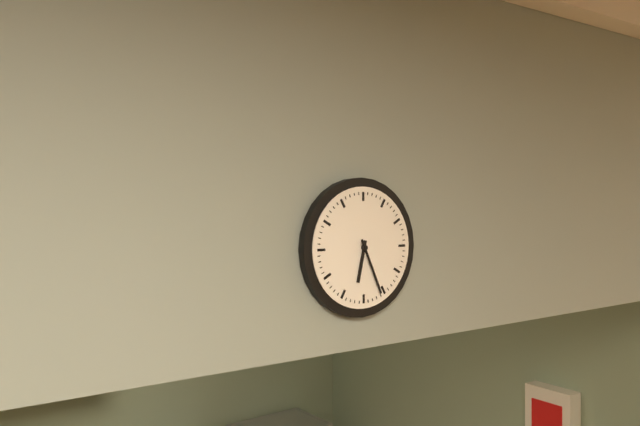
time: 6:26
